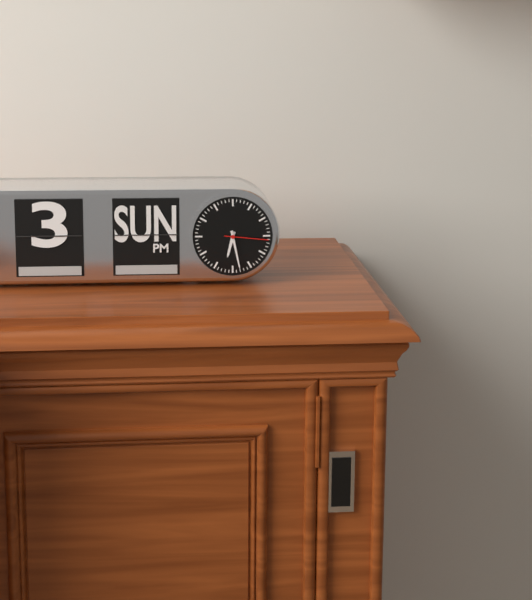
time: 6:28
